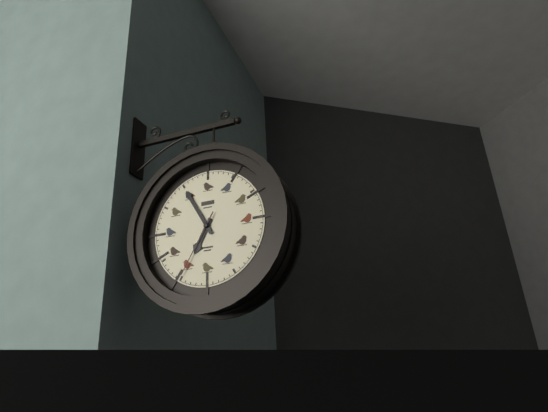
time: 6:55:35
